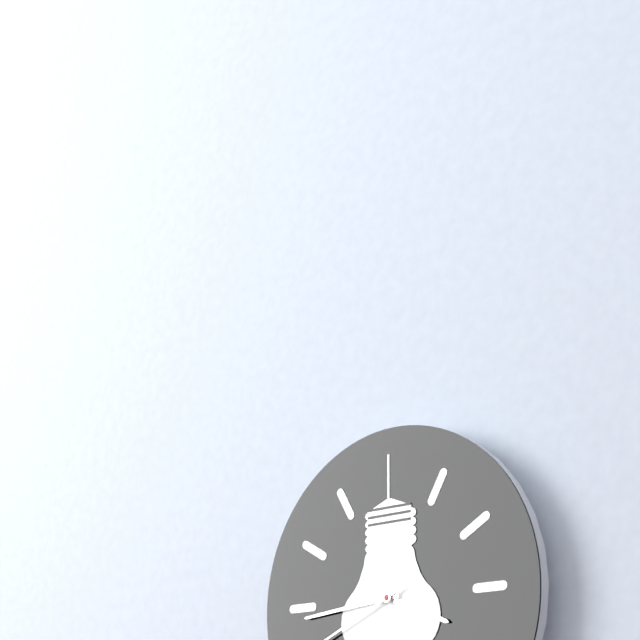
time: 3:44
